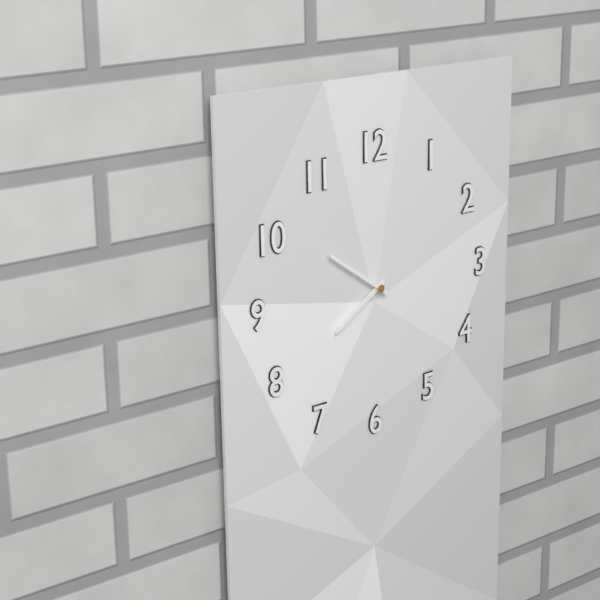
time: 7:51
